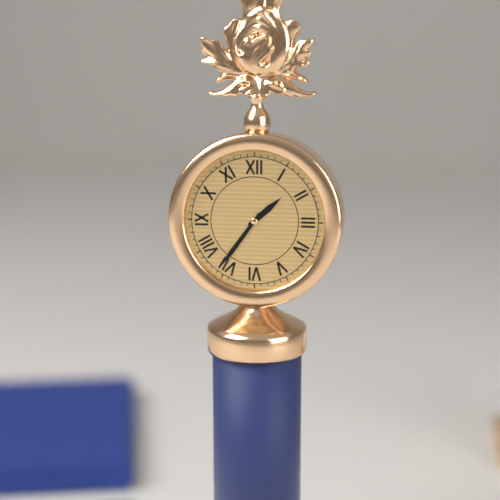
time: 1:36
